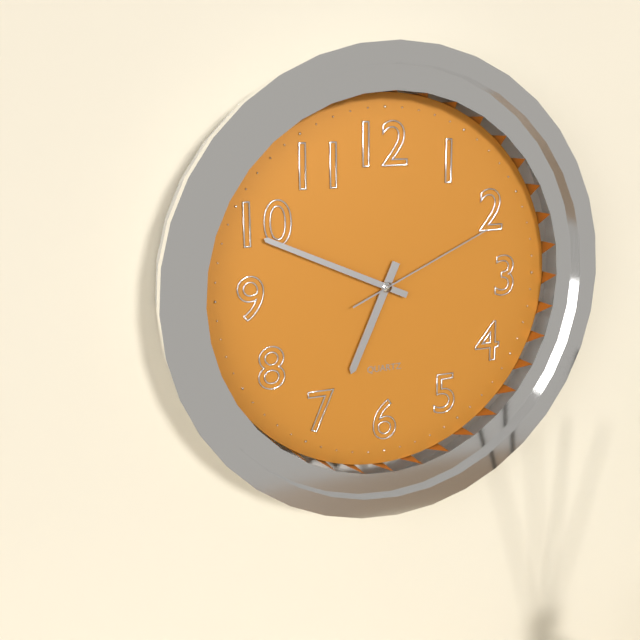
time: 6:49:11
